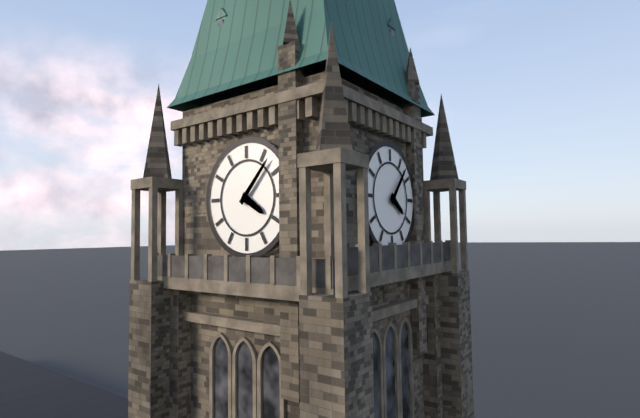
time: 4:07
